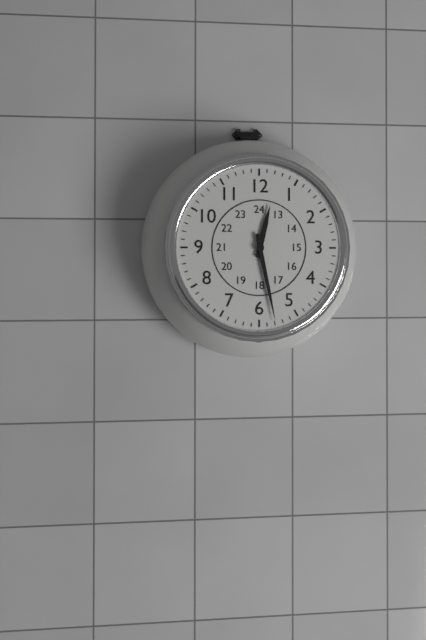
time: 12:28
